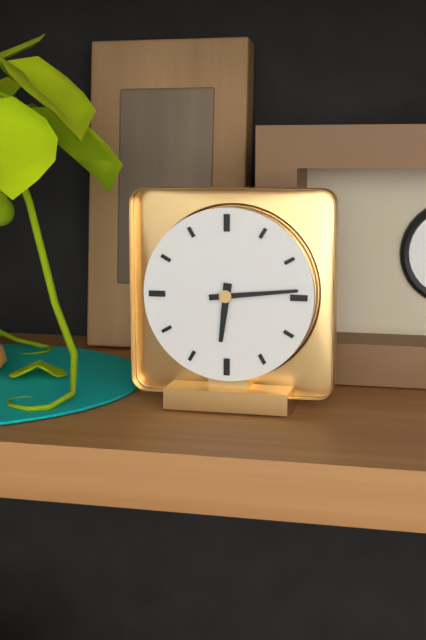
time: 6:14
